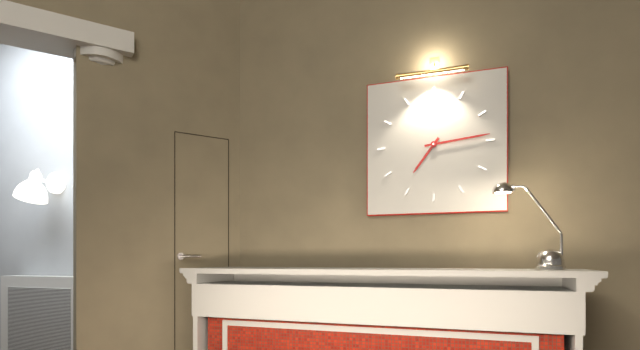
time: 7:14
